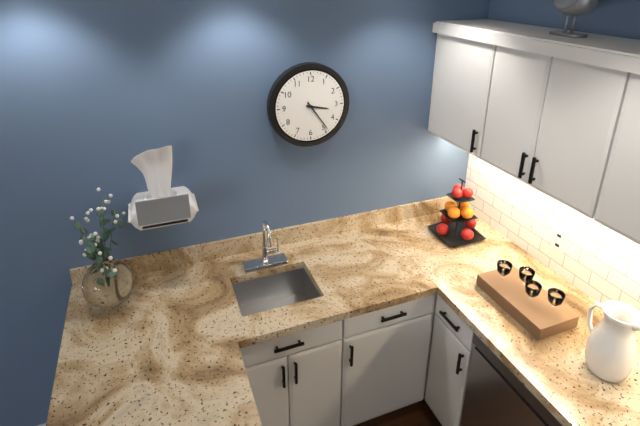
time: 3:24
